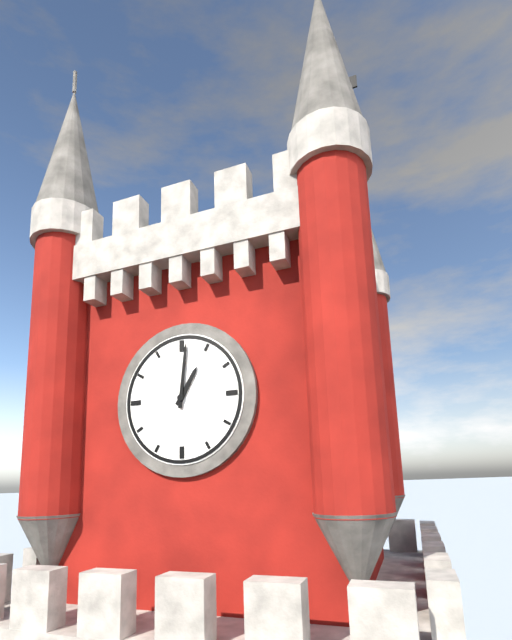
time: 1:01
